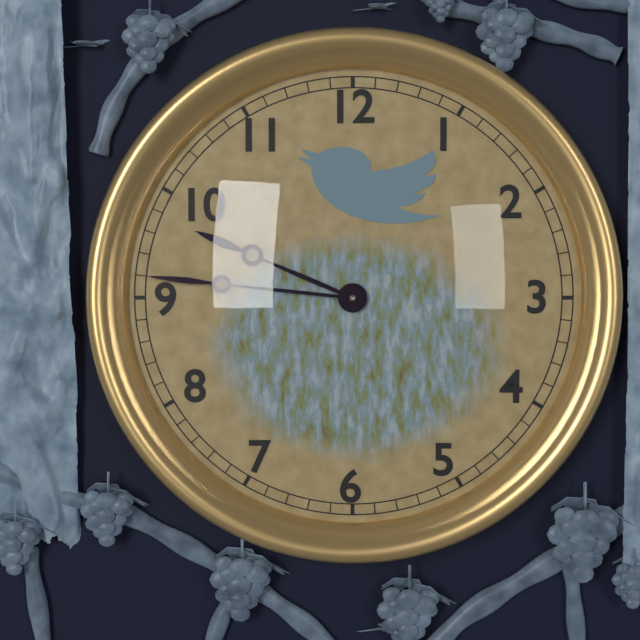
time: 9:46
